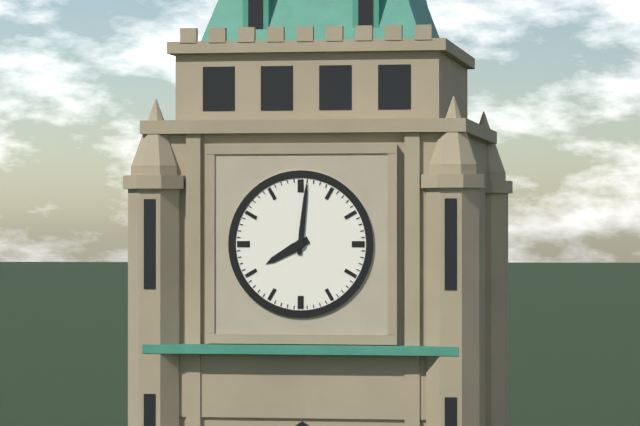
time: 8:01
